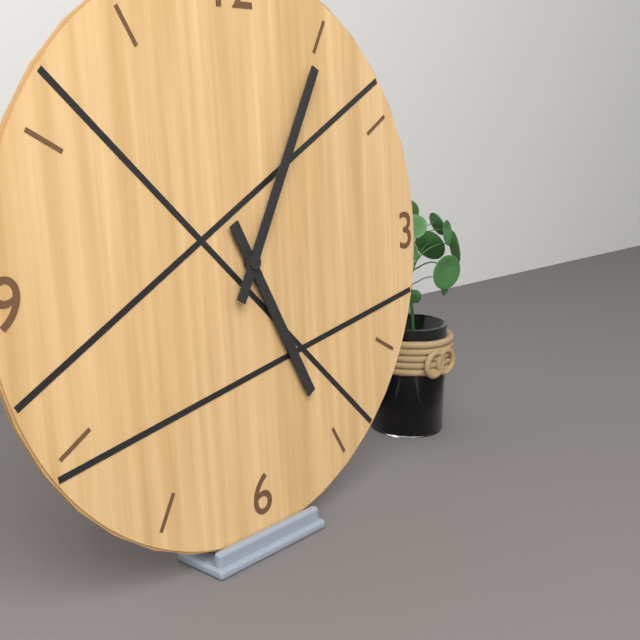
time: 5:05
